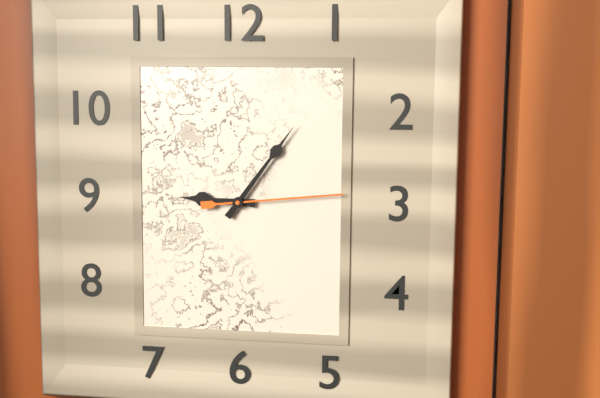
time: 9:06:14
